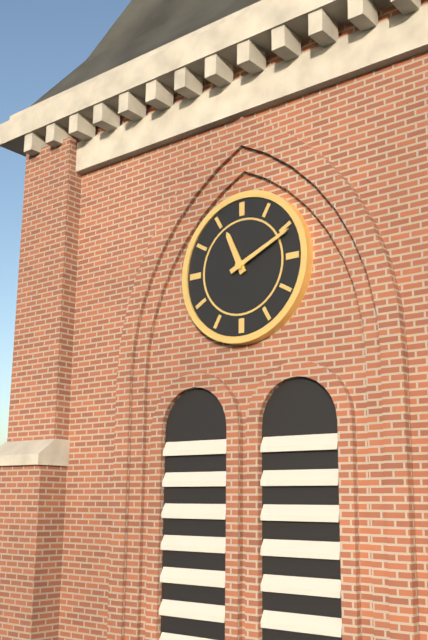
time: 11:11
